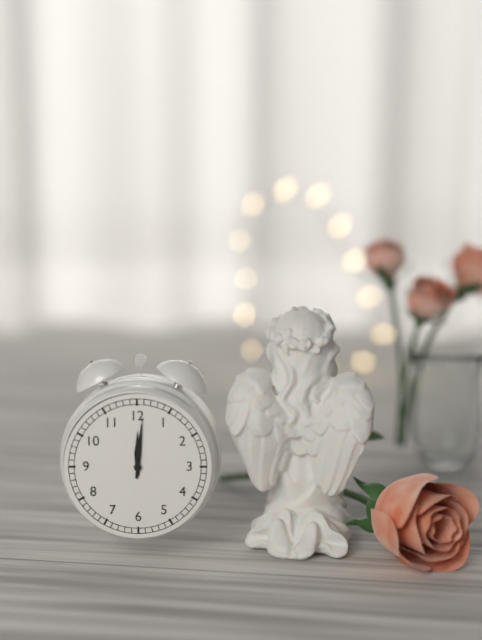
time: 12:01
